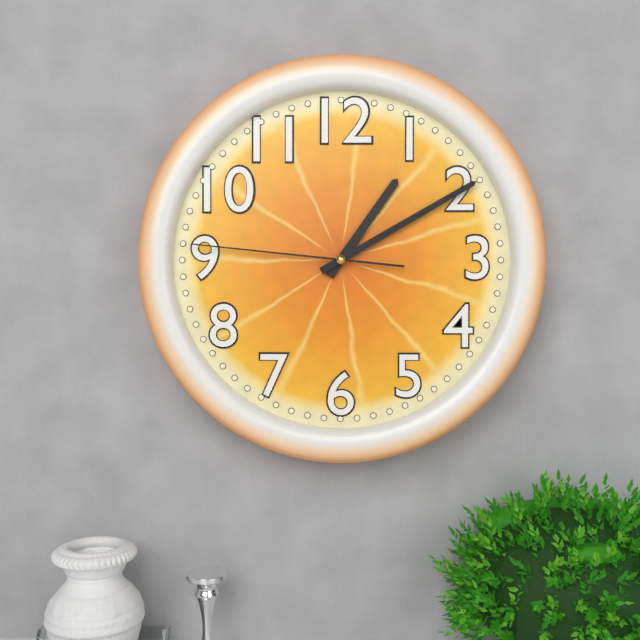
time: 1:10:46
